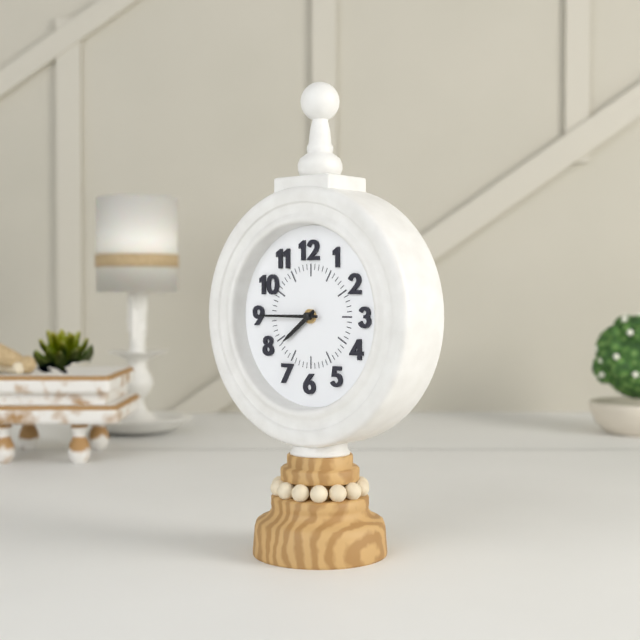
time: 7:45
